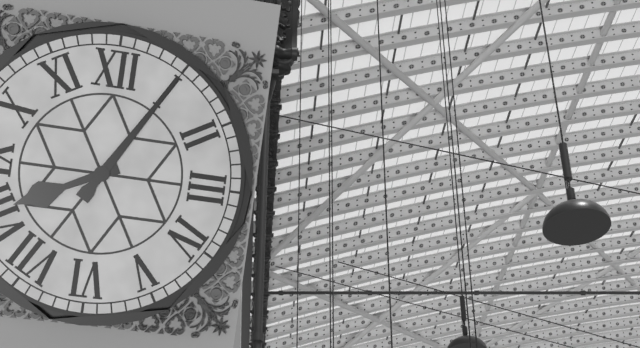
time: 8:05
